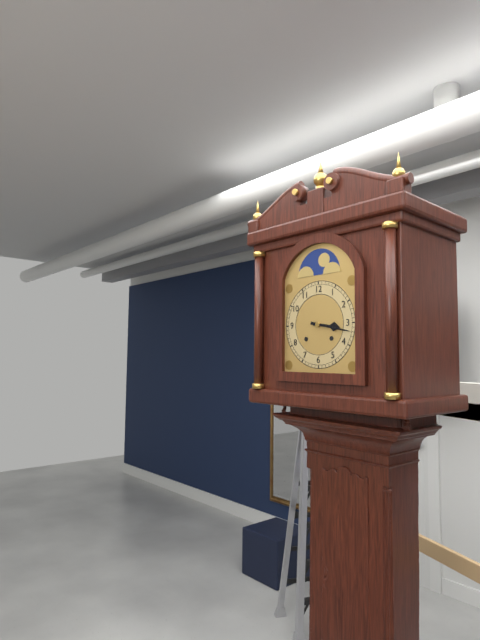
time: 3:17
